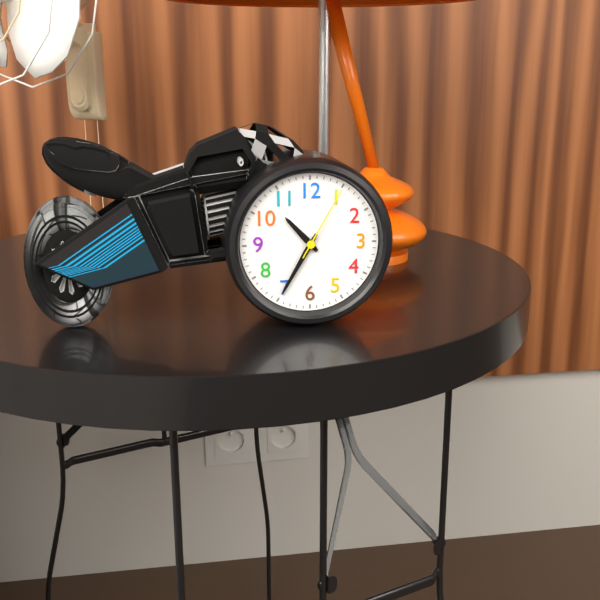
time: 10:35:05
